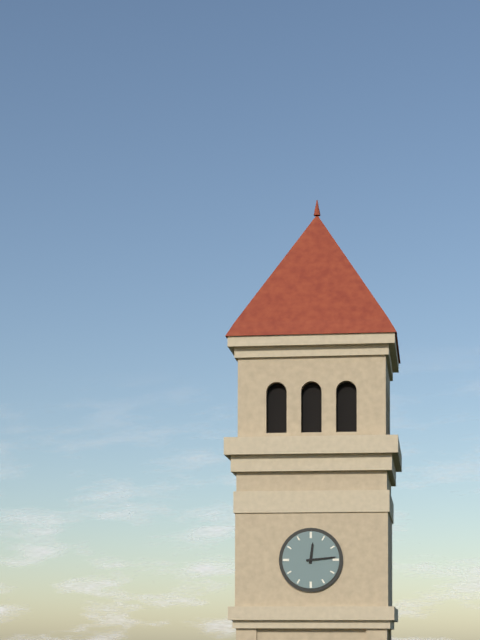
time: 12:14
